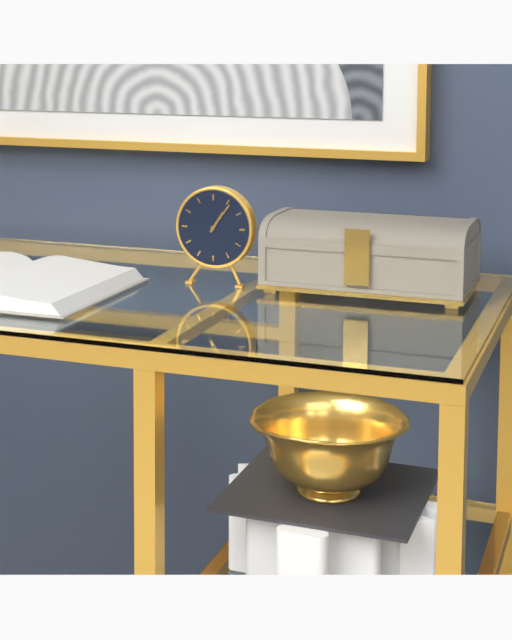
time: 1:06
